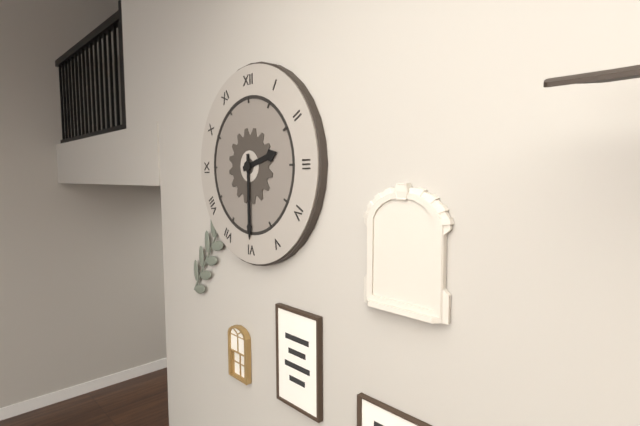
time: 2:30
